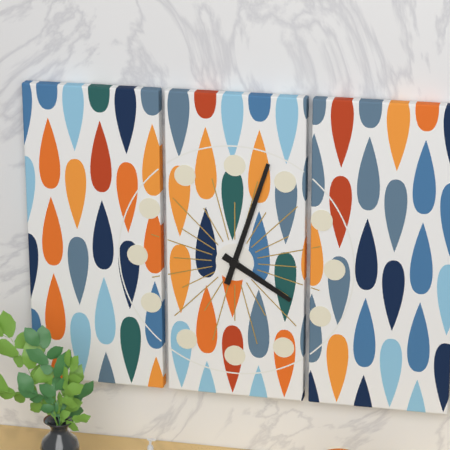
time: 4:03
